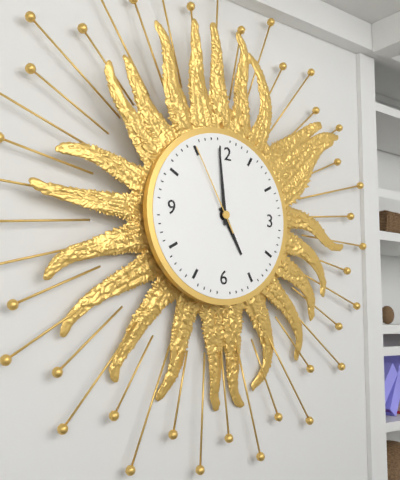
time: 4:59:55
